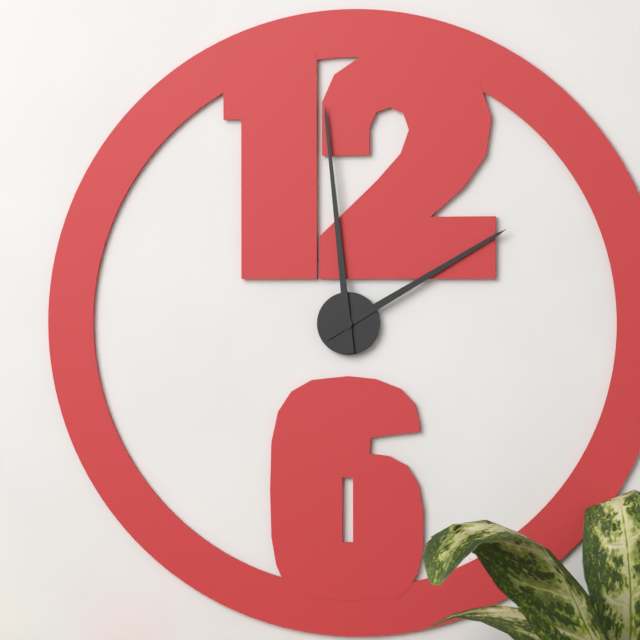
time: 1:59
